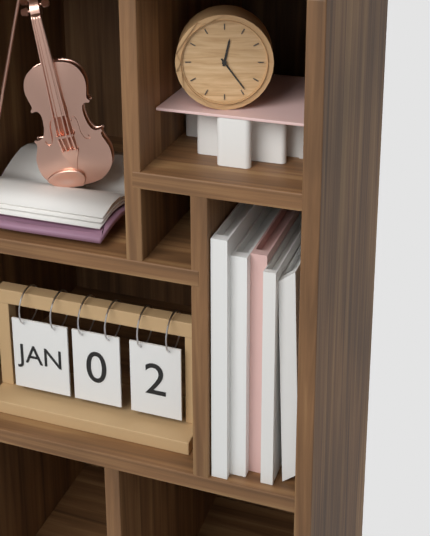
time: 12:24
